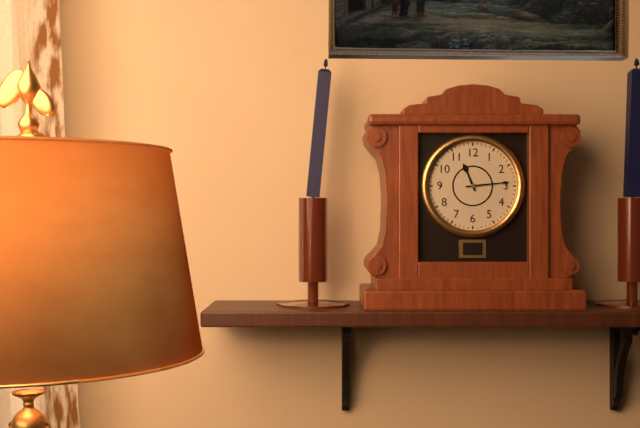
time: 11:14
